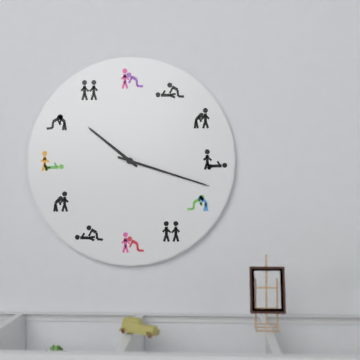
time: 10:18
